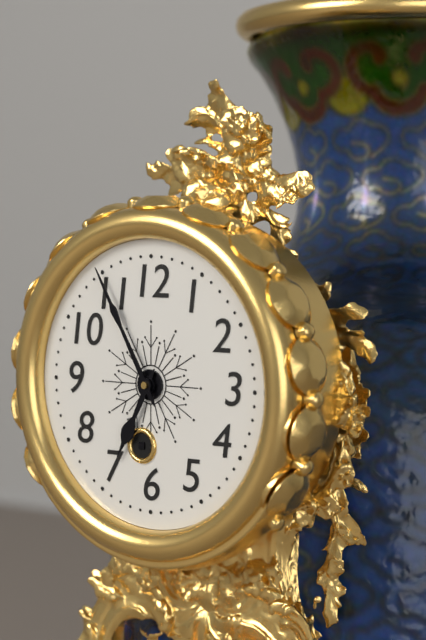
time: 6:55
